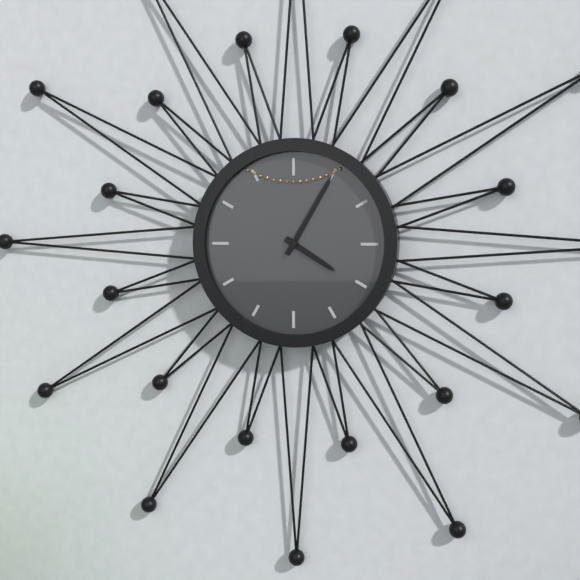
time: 4:05
